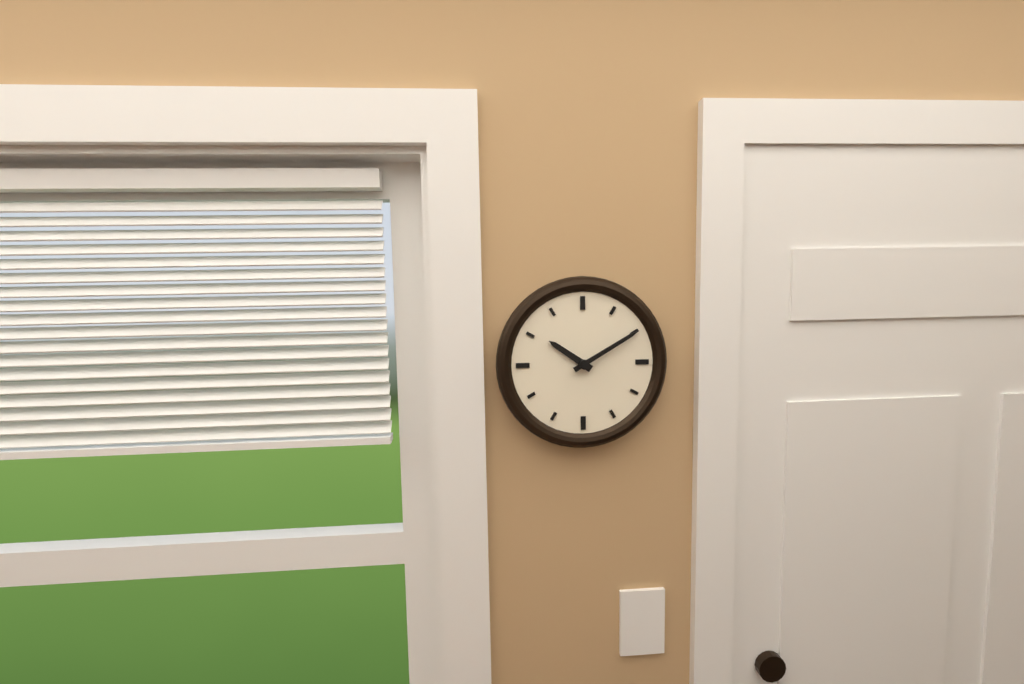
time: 10:10
